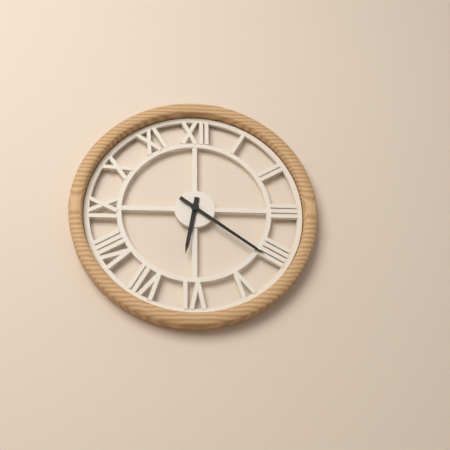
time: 6:21
